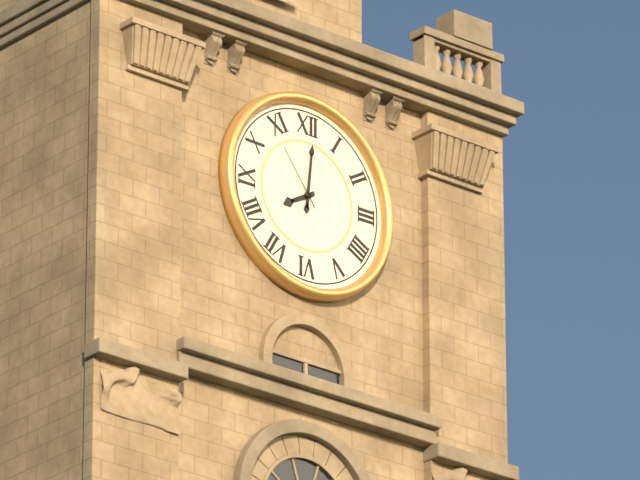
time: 8:01:54
